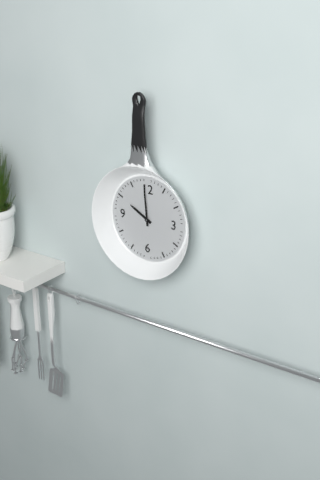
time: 9:59
